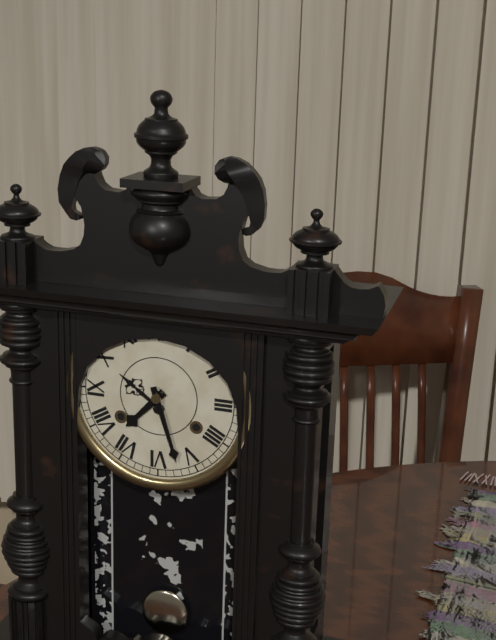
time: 7:27
